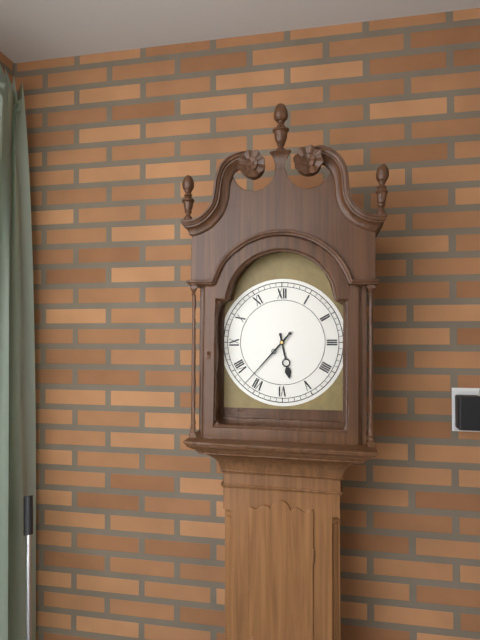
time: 5:37
